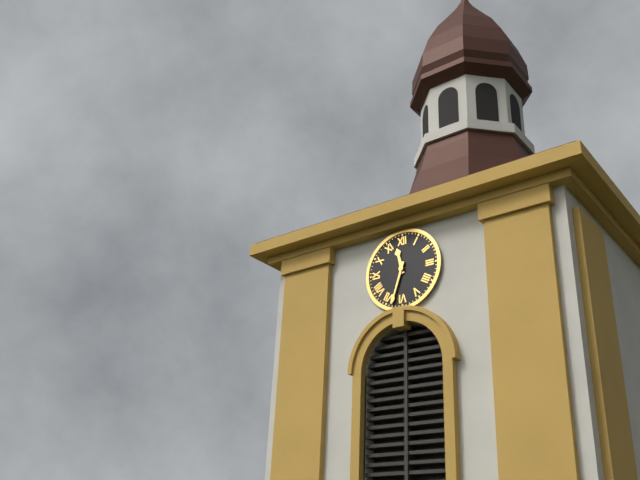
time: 11:33
